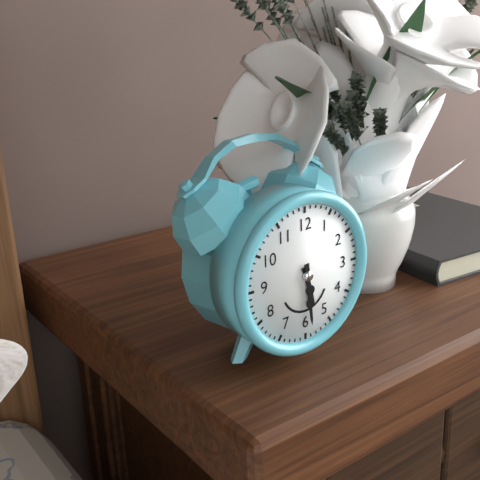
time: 5:29
